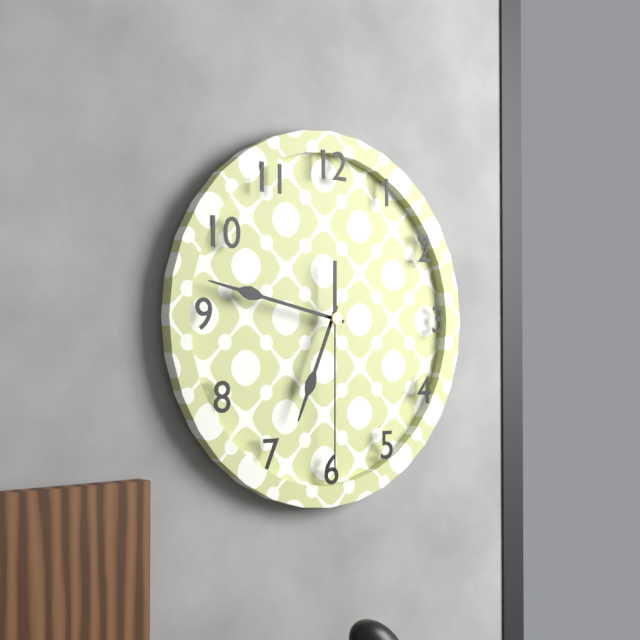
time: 6:47:30
